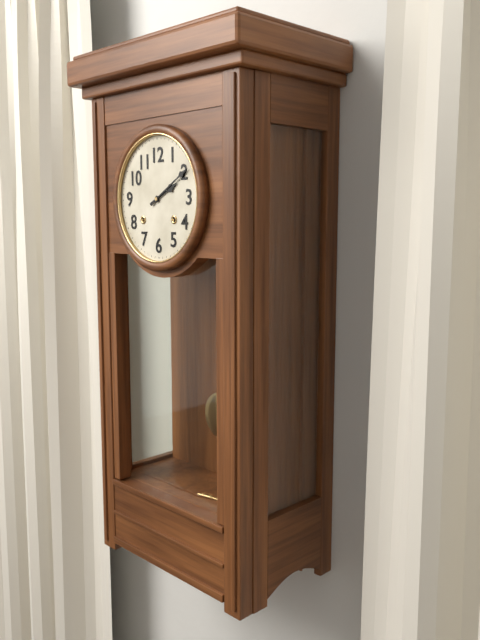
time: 2:10
